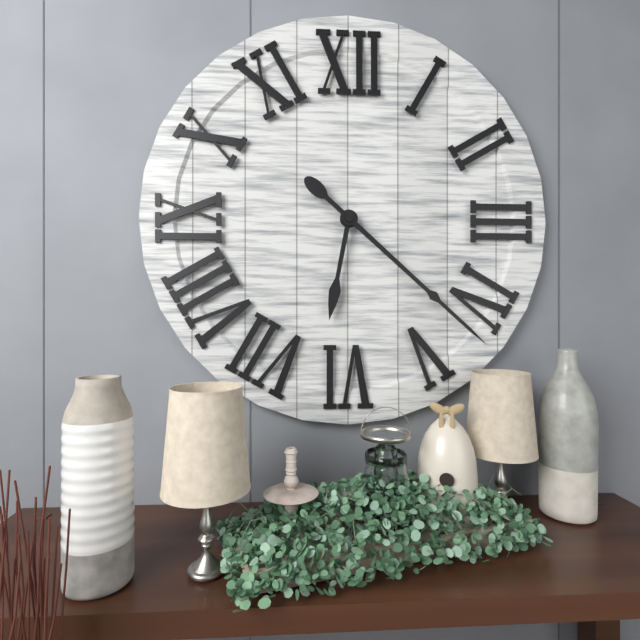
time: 6:22
